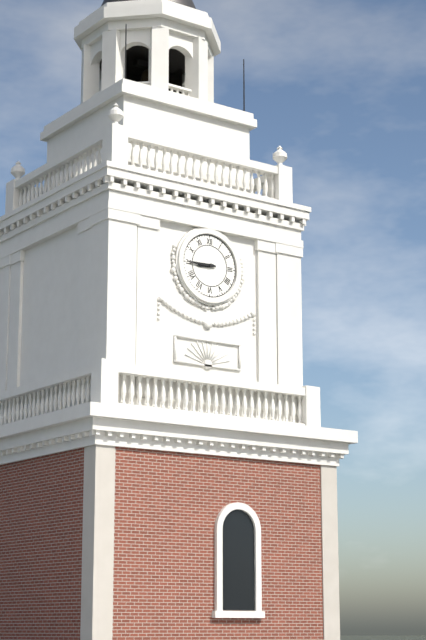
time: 8:45
